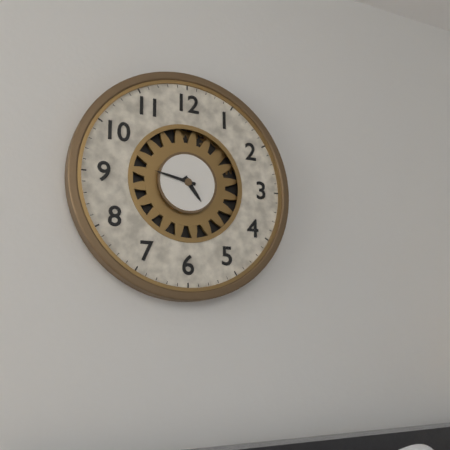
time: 4:47
